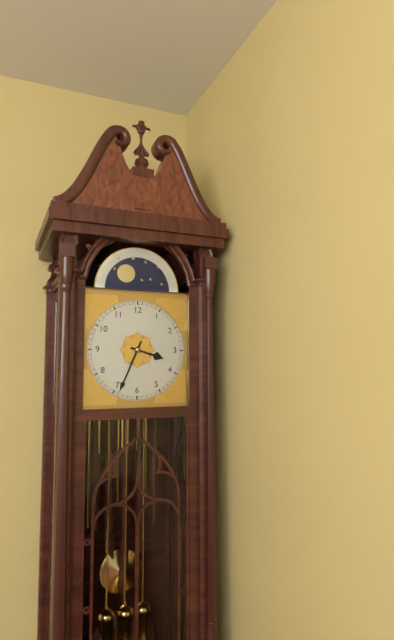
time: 3:34
